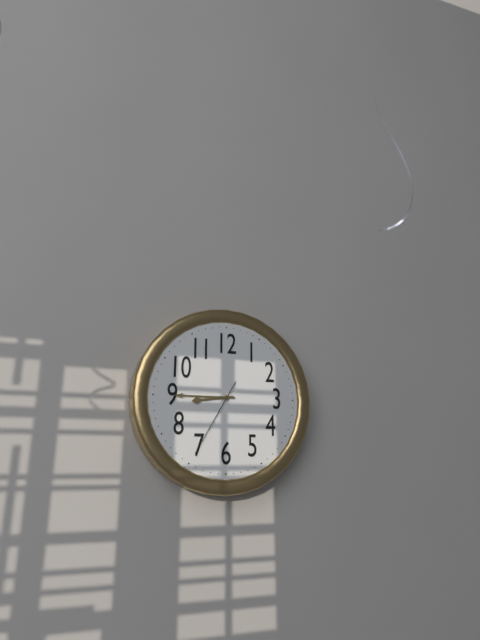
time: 8:45:35
